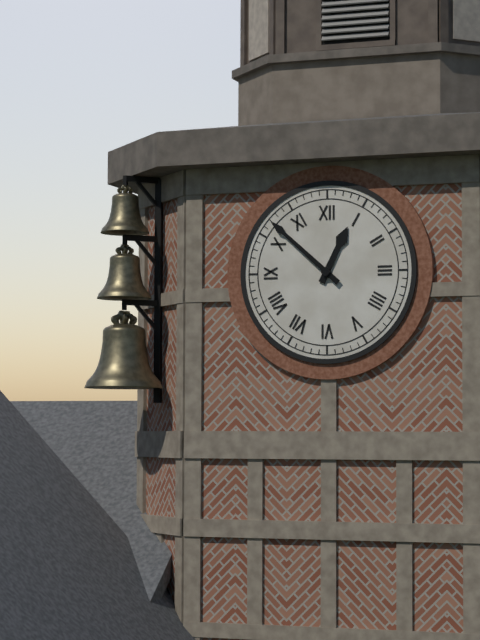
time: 12:52
